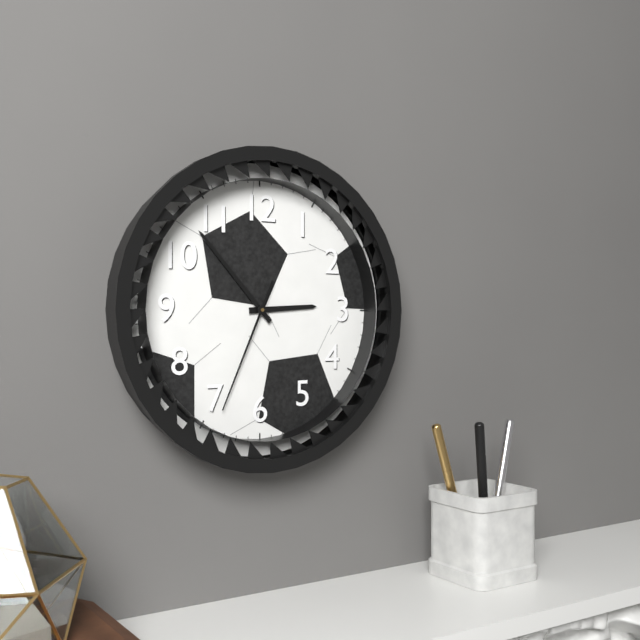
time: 2:53:34
